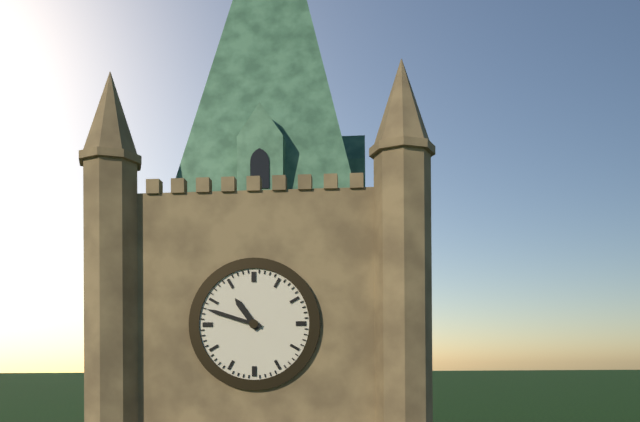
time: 10:48
